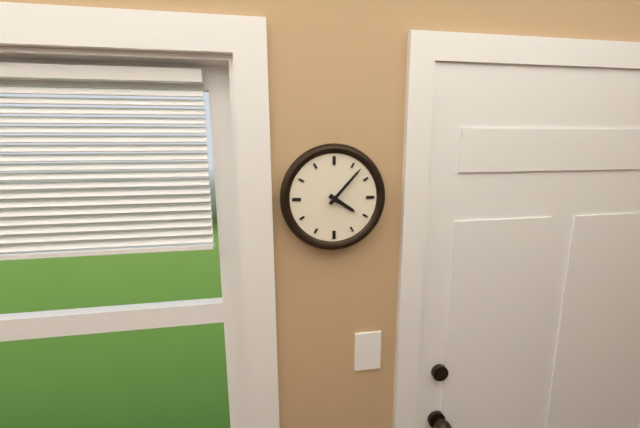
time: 4:07
